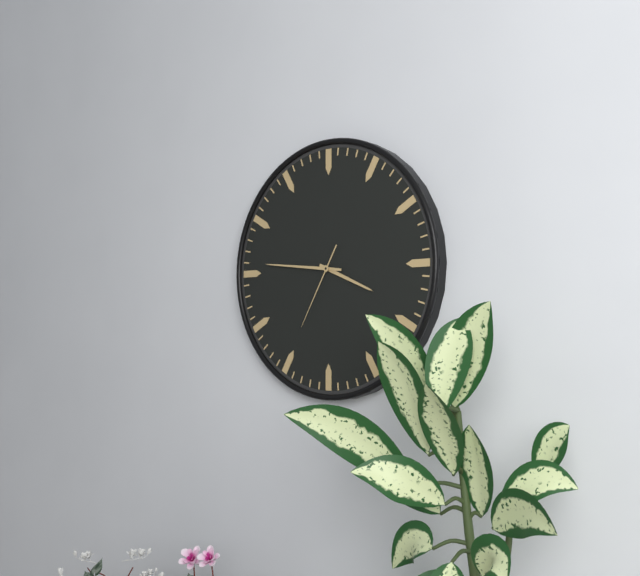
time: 3:46:35
